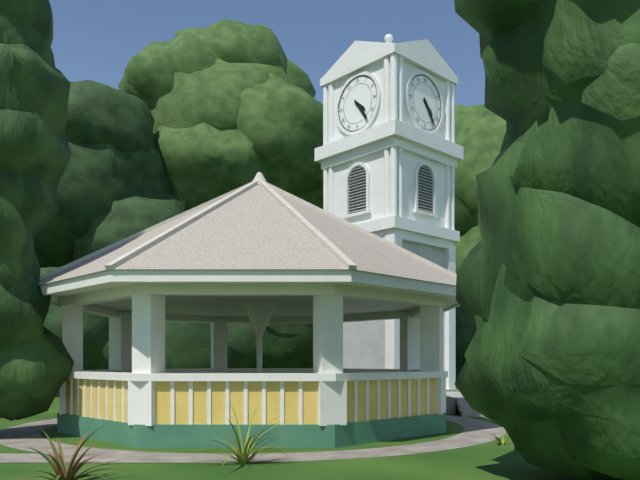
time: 4:24
